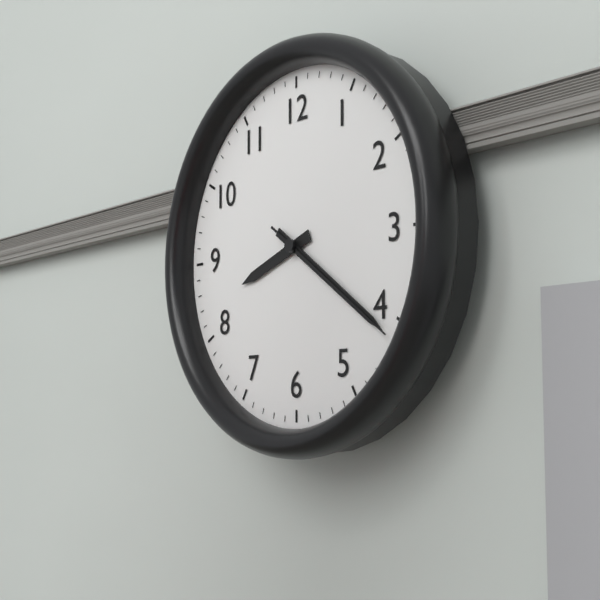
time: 8:21:21
